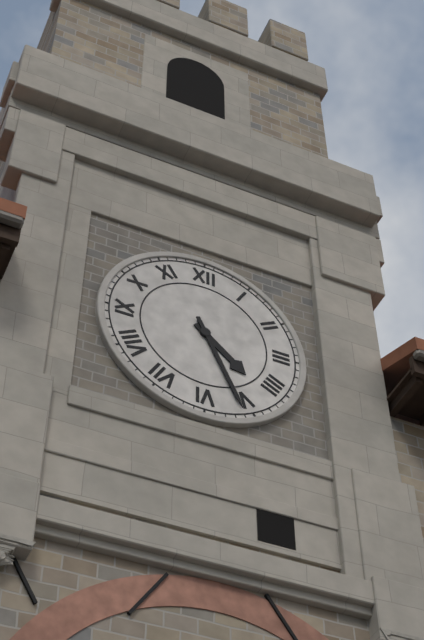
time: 4:26
